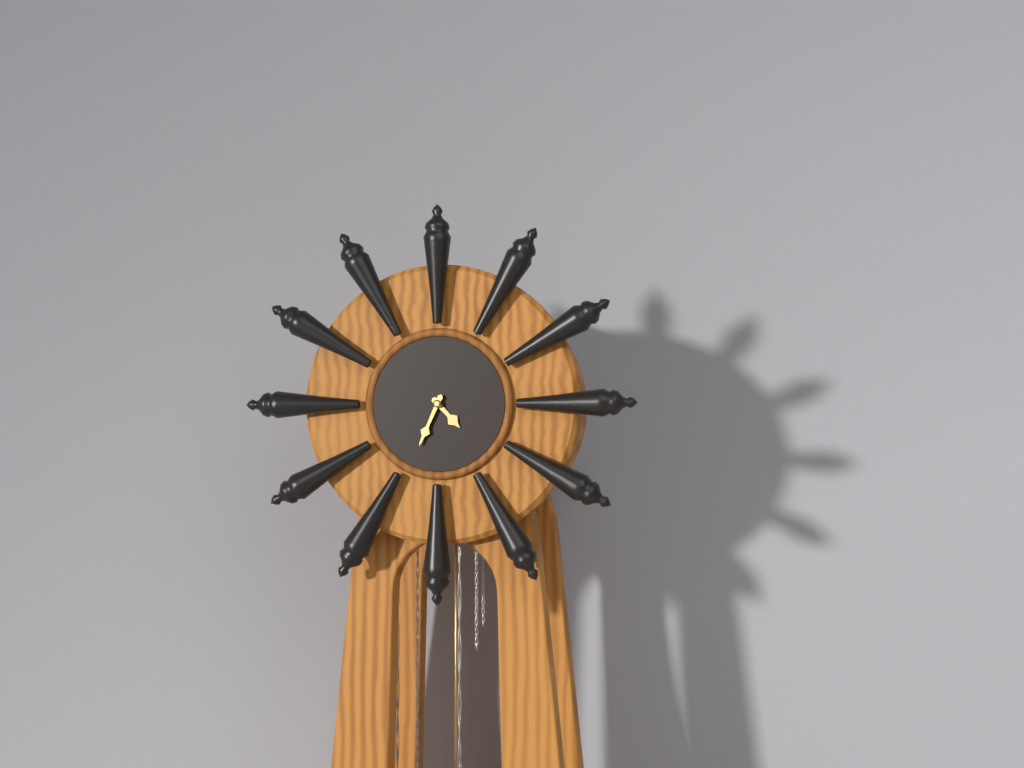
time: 4:34
